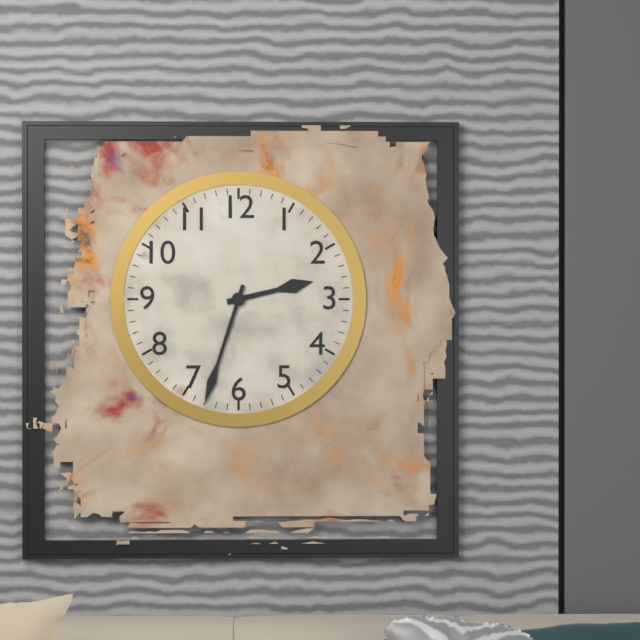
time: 2:33
